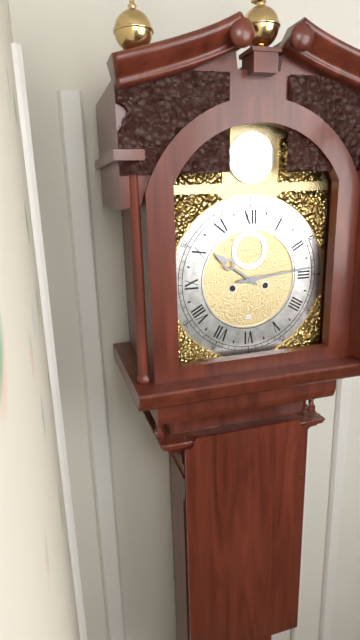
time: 10:14
